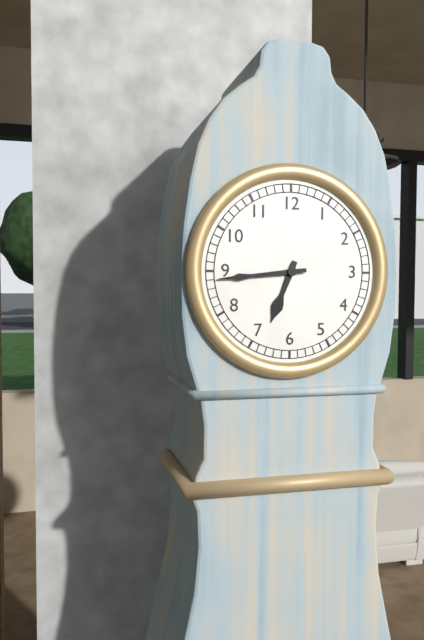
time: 6:44
